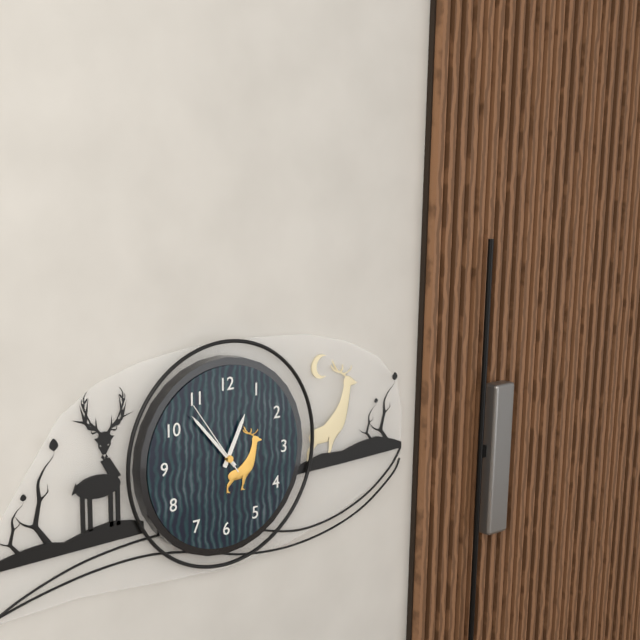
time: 12:53:54
